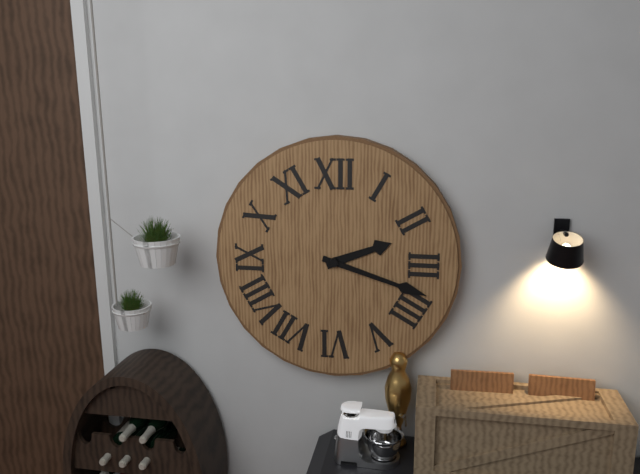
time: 2:18
